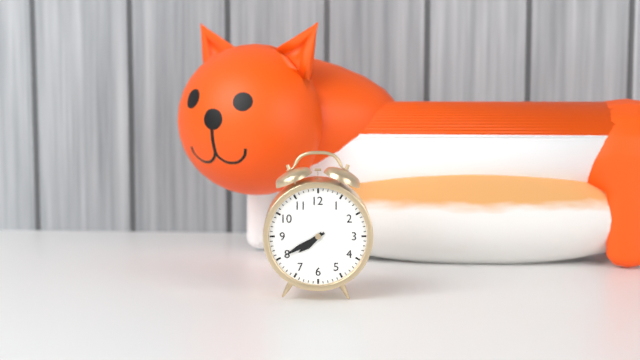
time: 7:40
